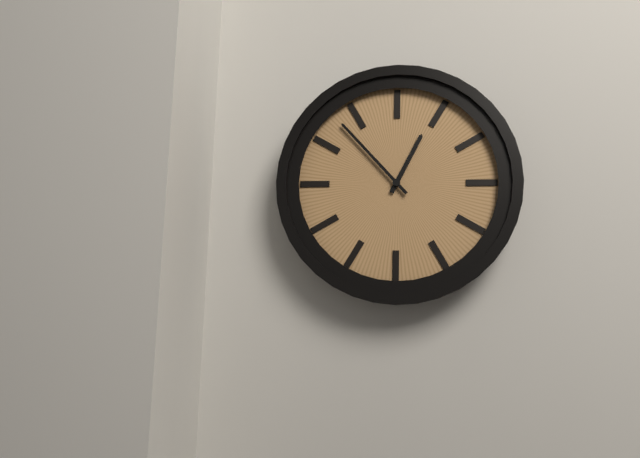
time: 12:53
